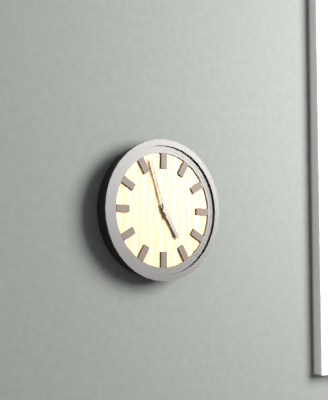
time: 4:57
